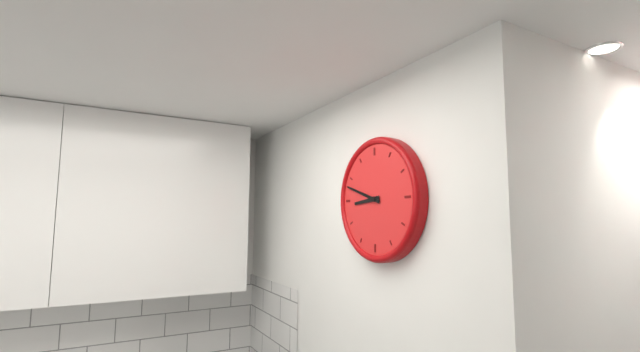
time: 8:48
